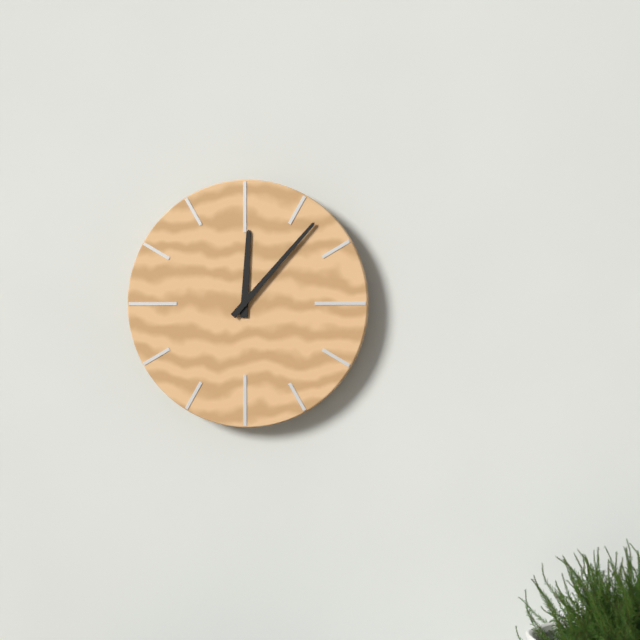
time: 12:07
